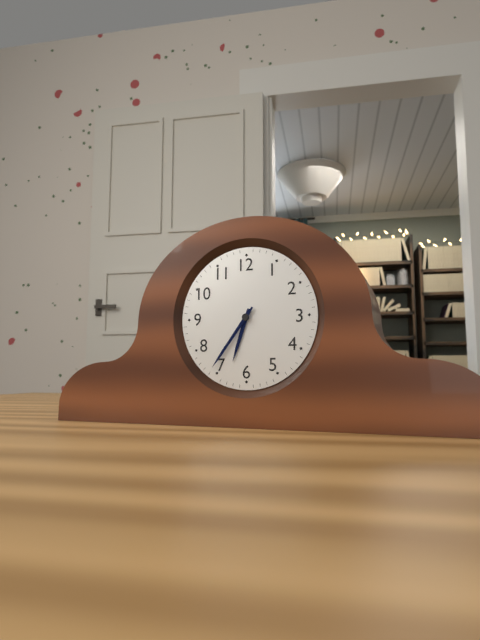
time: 6:36
